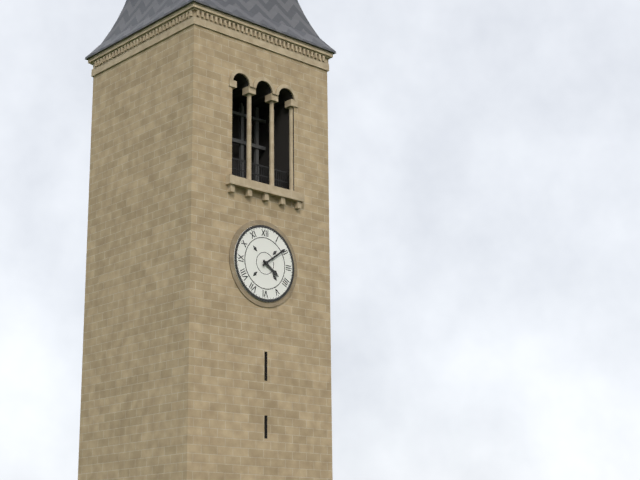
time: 4:09
